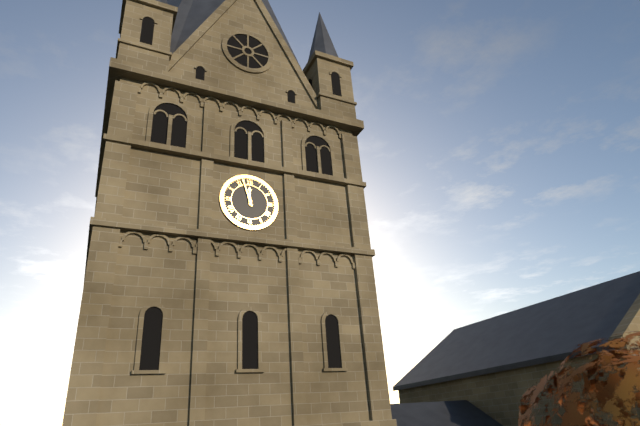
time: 11:57
